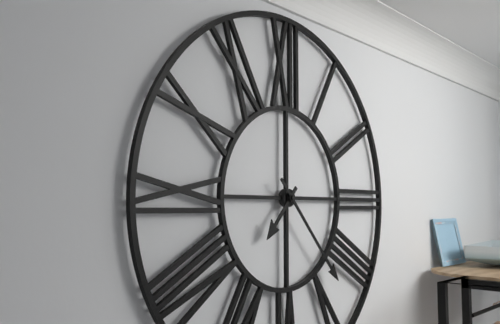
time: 7:23
